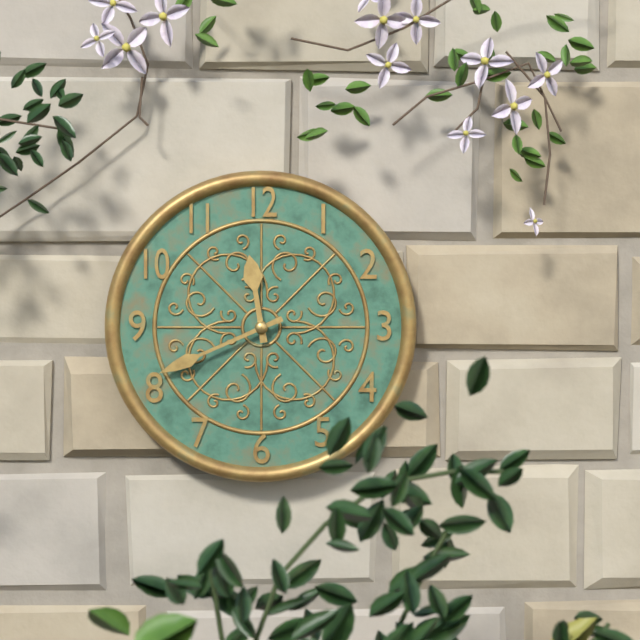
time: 11:41
